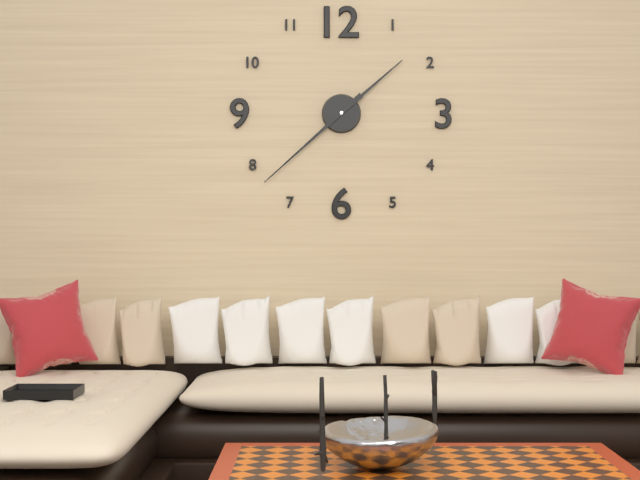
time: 1:38
